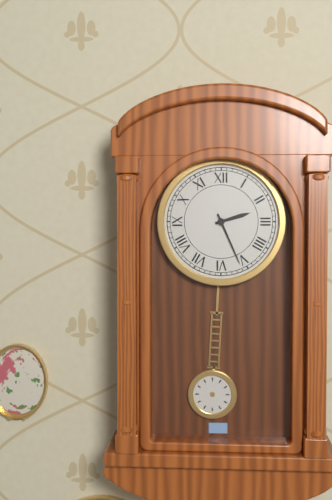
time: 2:26
